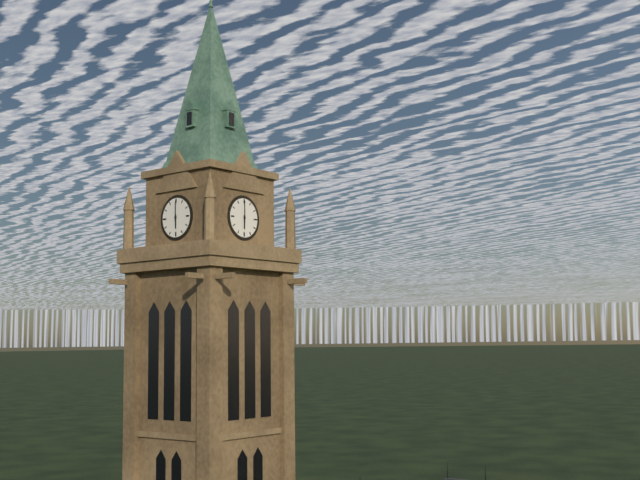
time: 6:00
